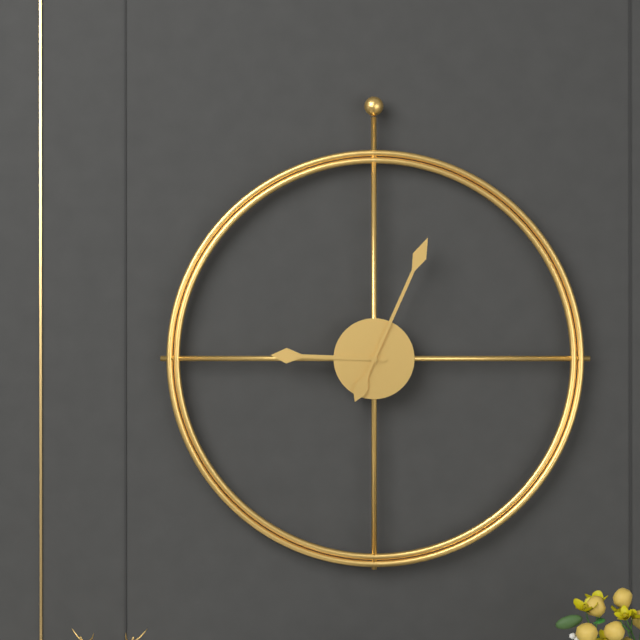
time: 9:04
